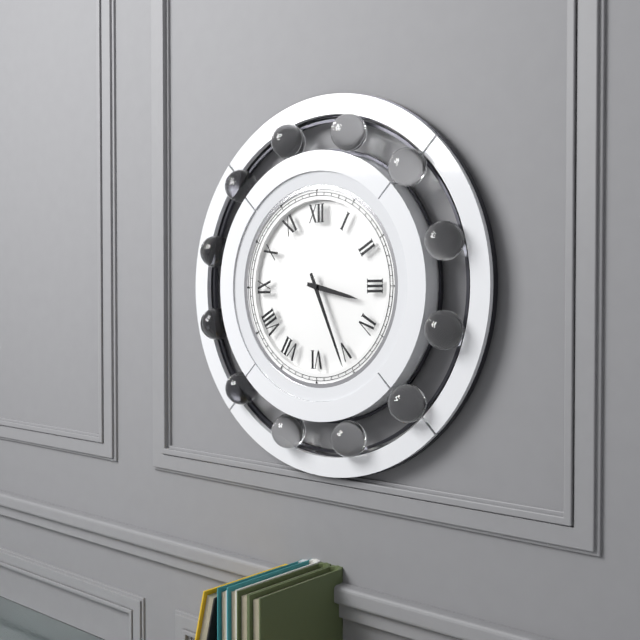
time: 3:26
